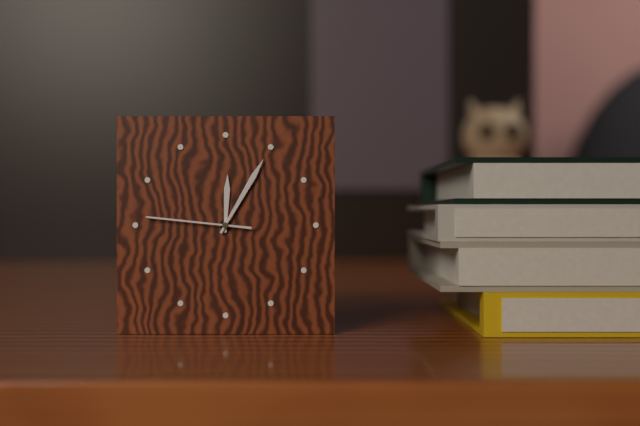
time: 12:05:46
